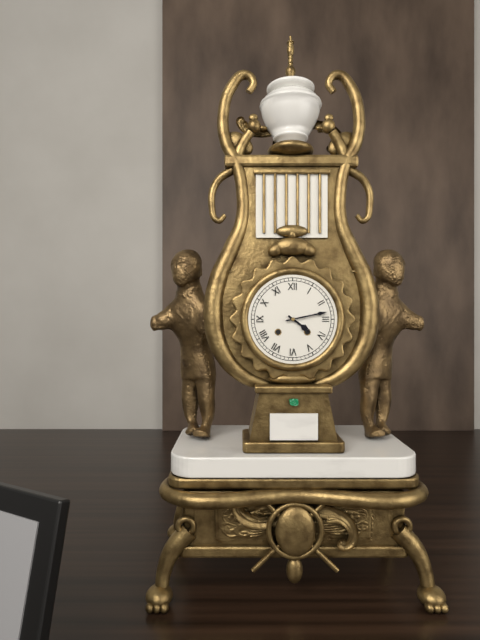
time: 4:13
